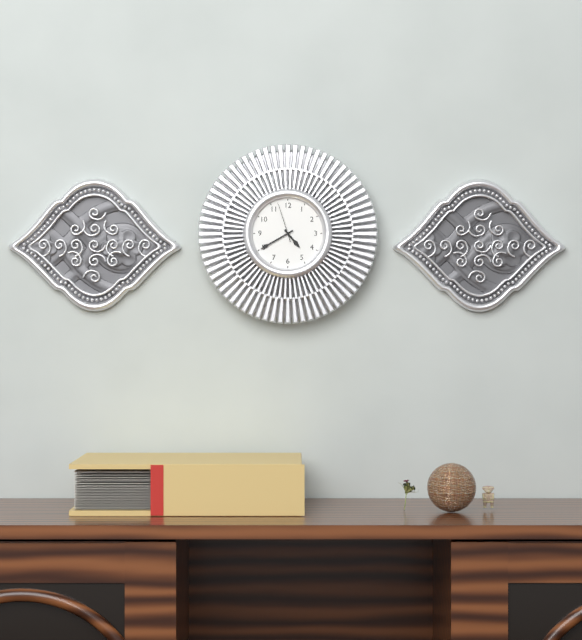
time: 4:40
